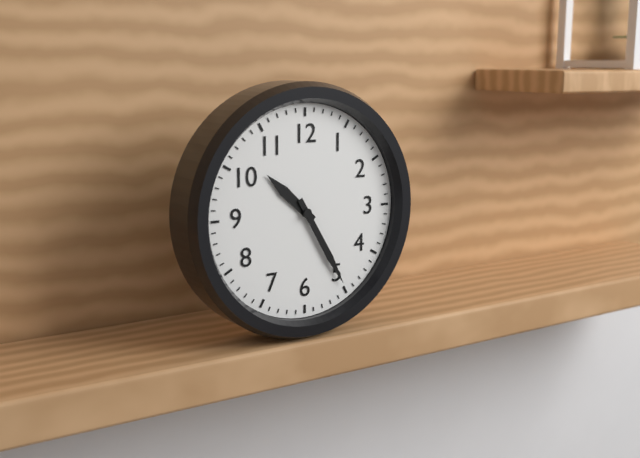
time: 10:25
